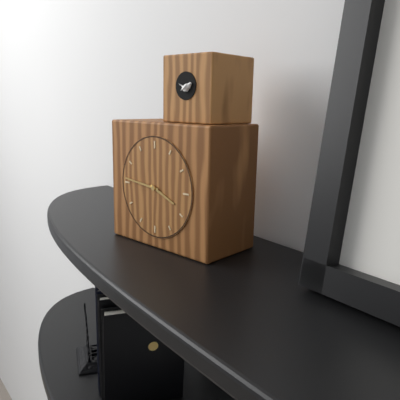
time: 3:46
